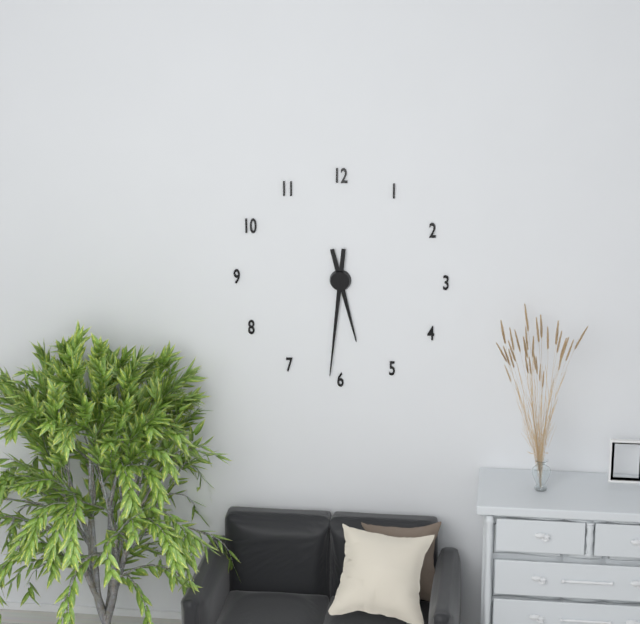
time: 5:31
